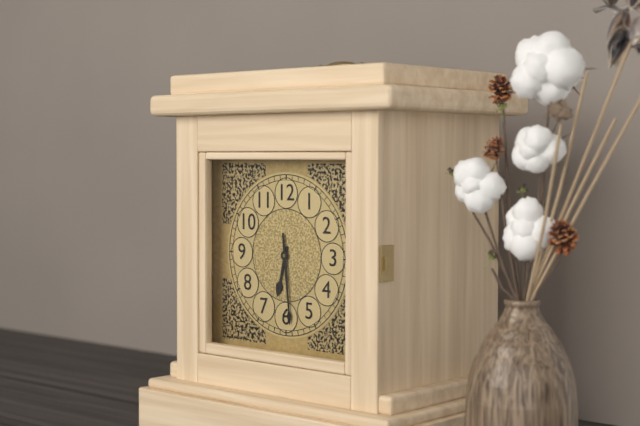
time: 6:29
